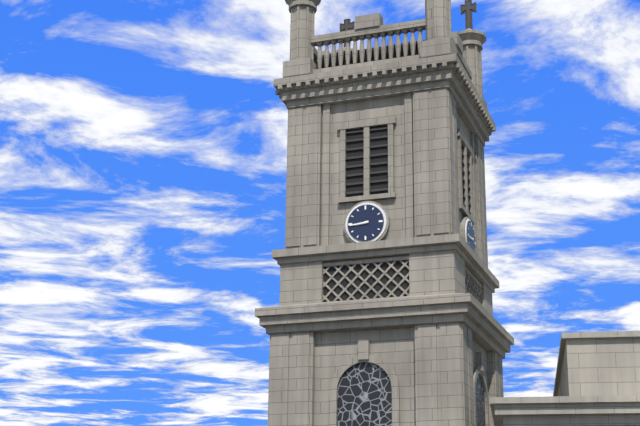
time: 8:44
